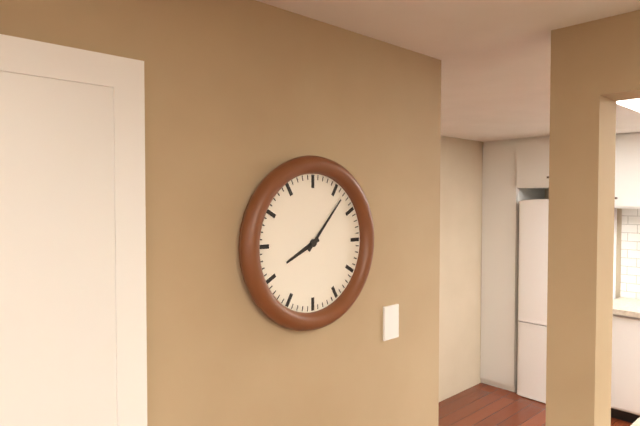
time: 8:07
